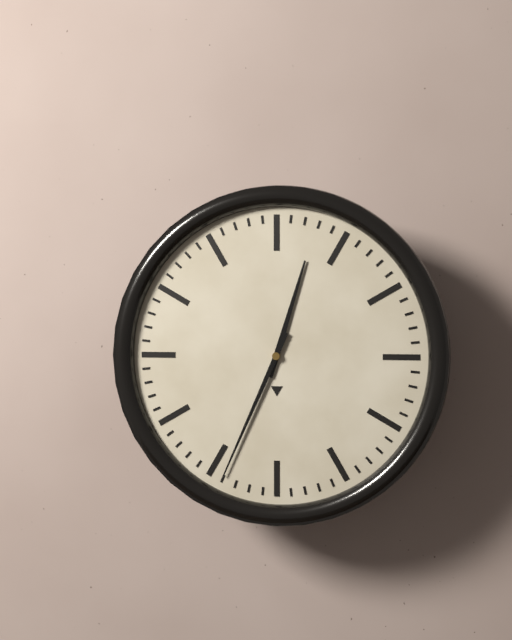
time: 12:34
